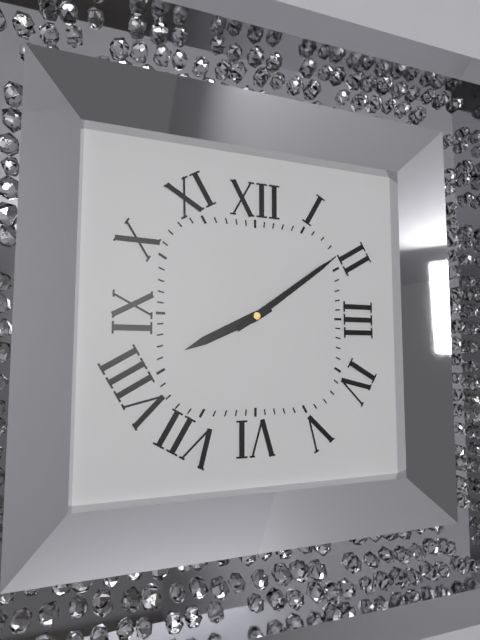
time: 8:09
